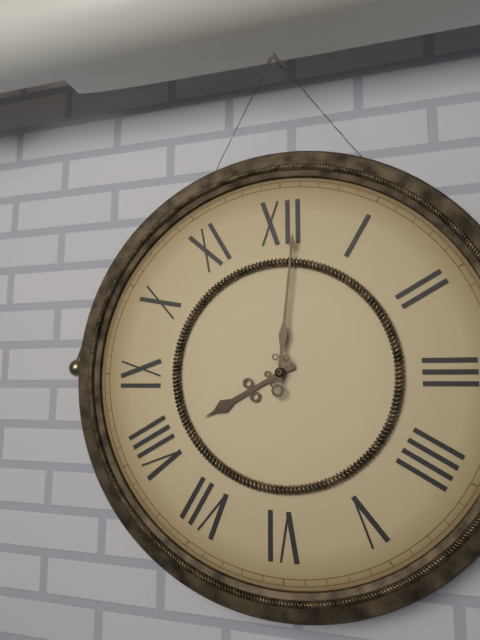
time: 8:01
